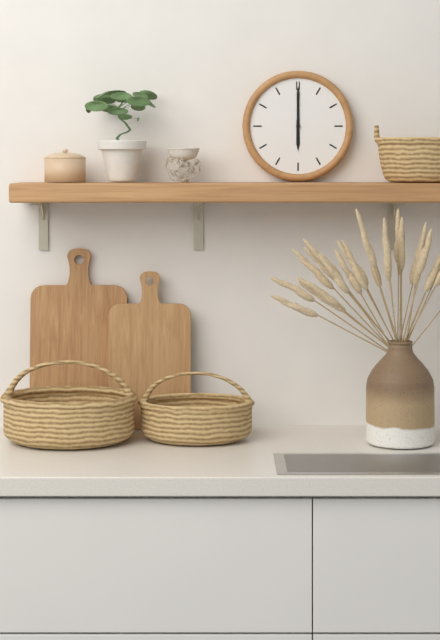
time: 6:00
